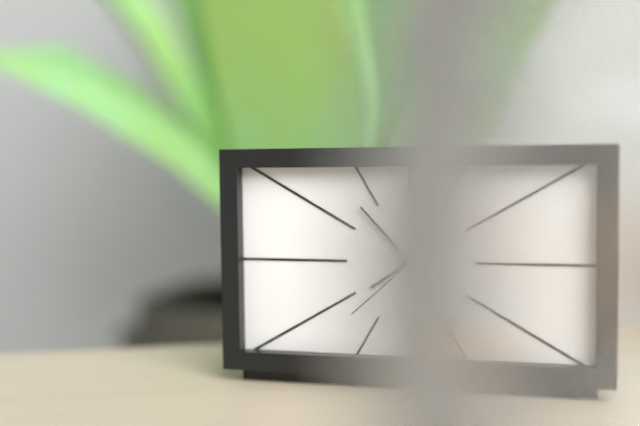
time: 7:53:38
